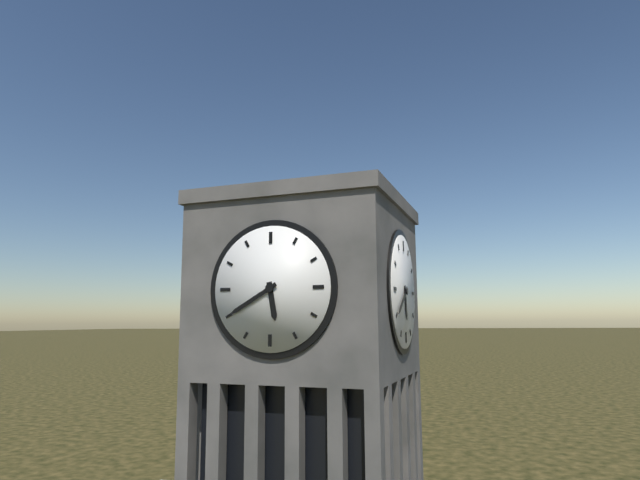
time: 5:40
